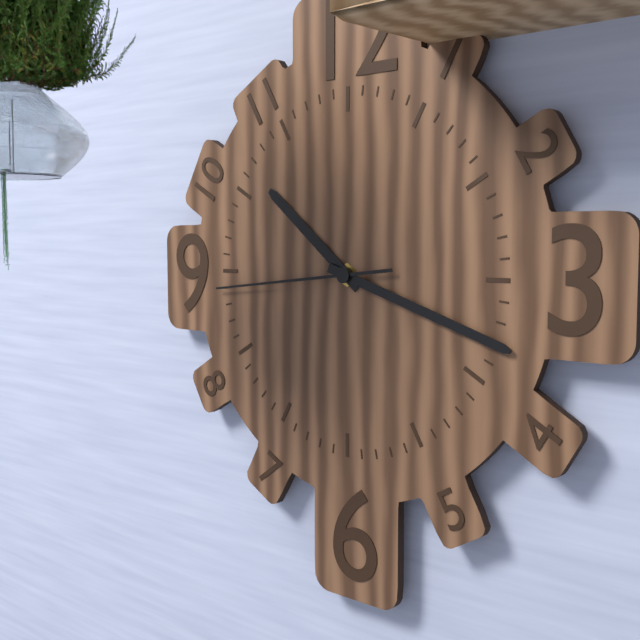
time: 10:18:44
